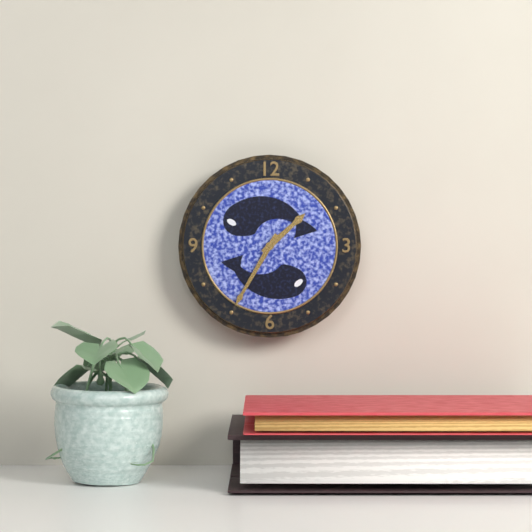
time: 1:35
